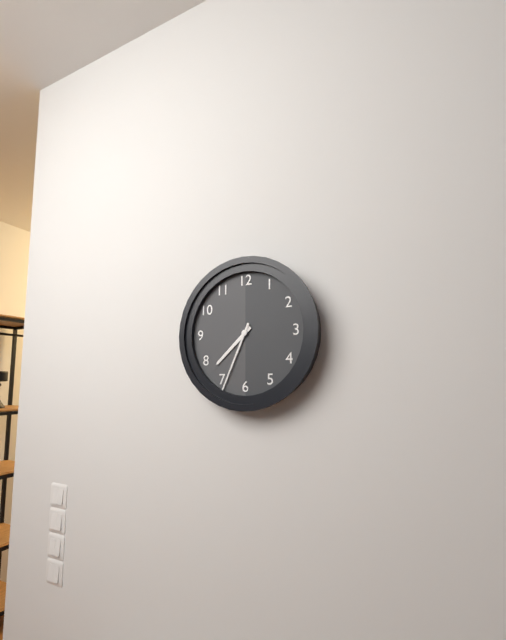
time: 7:34
